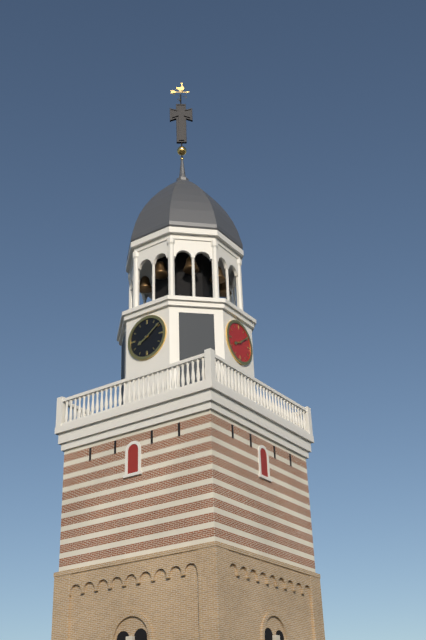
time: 8:09
